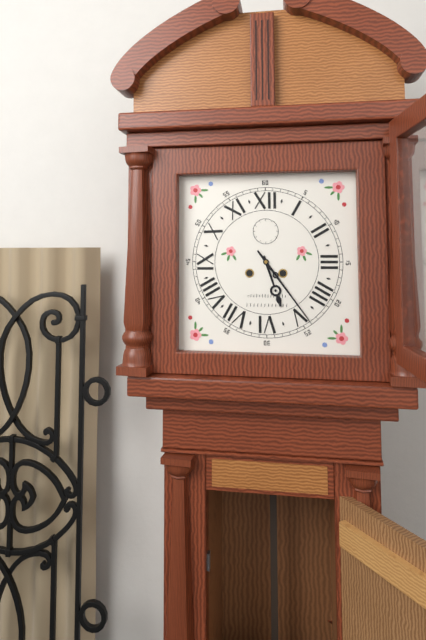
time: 5:24
